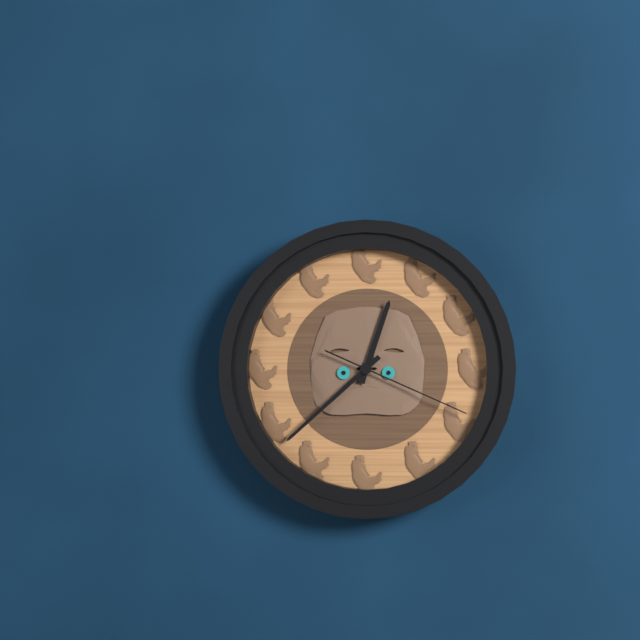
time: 12:38:19
